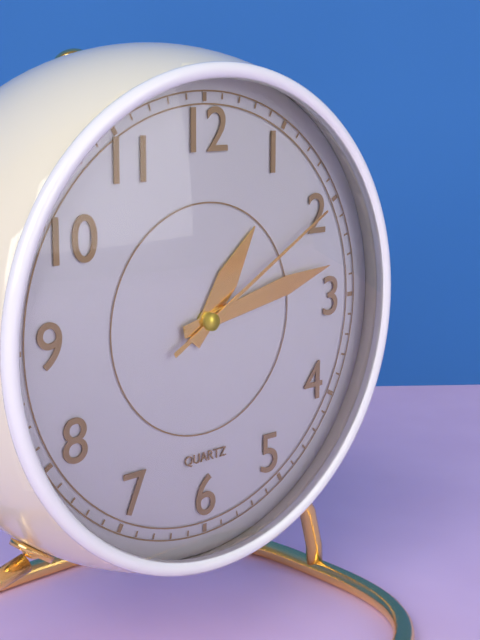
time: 1:13:10
